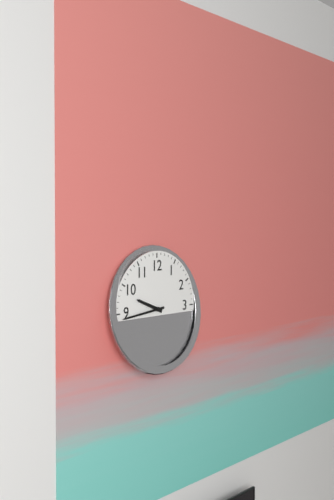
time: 9:44
